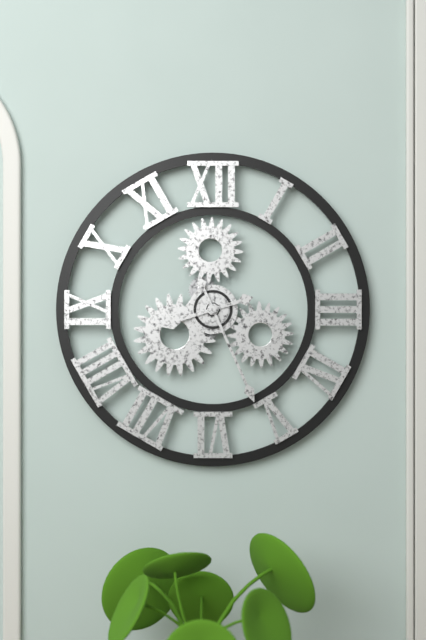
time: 8:26
